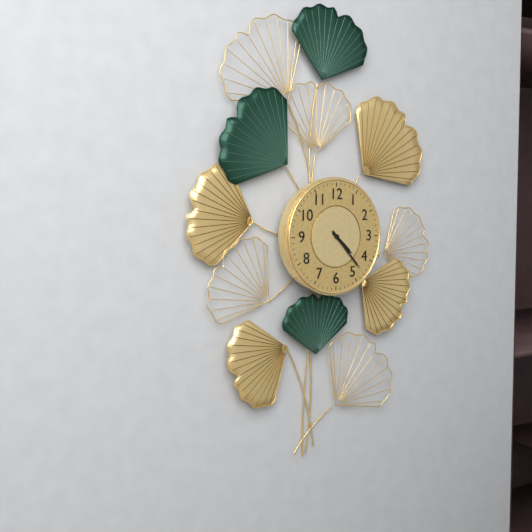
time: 4:23
